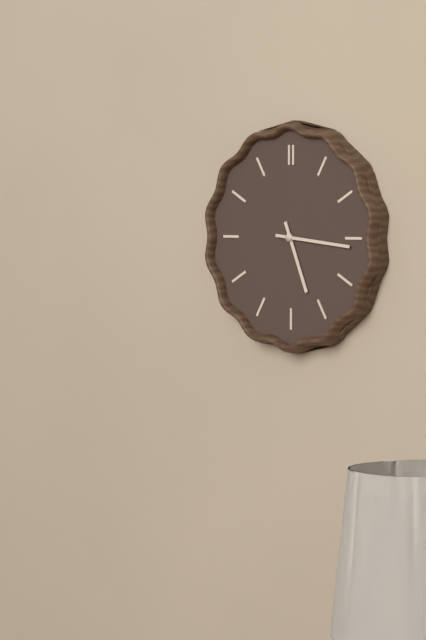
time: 5:16
